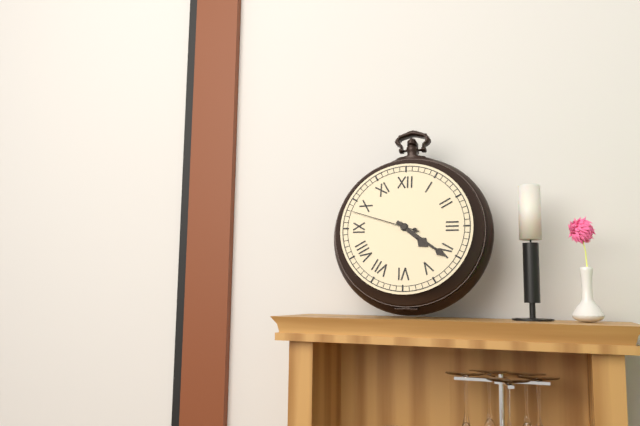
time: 4:21:48
